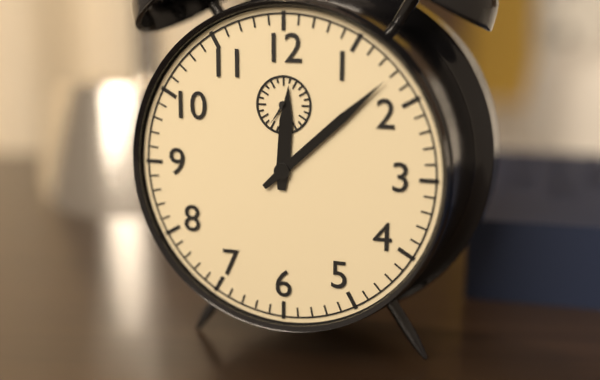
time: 12:08
